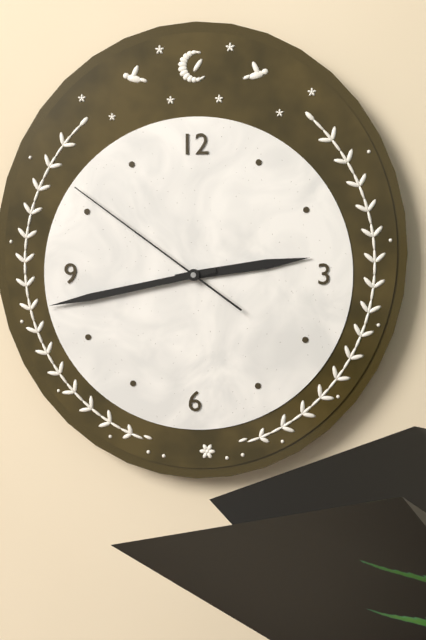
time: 2:43:51
